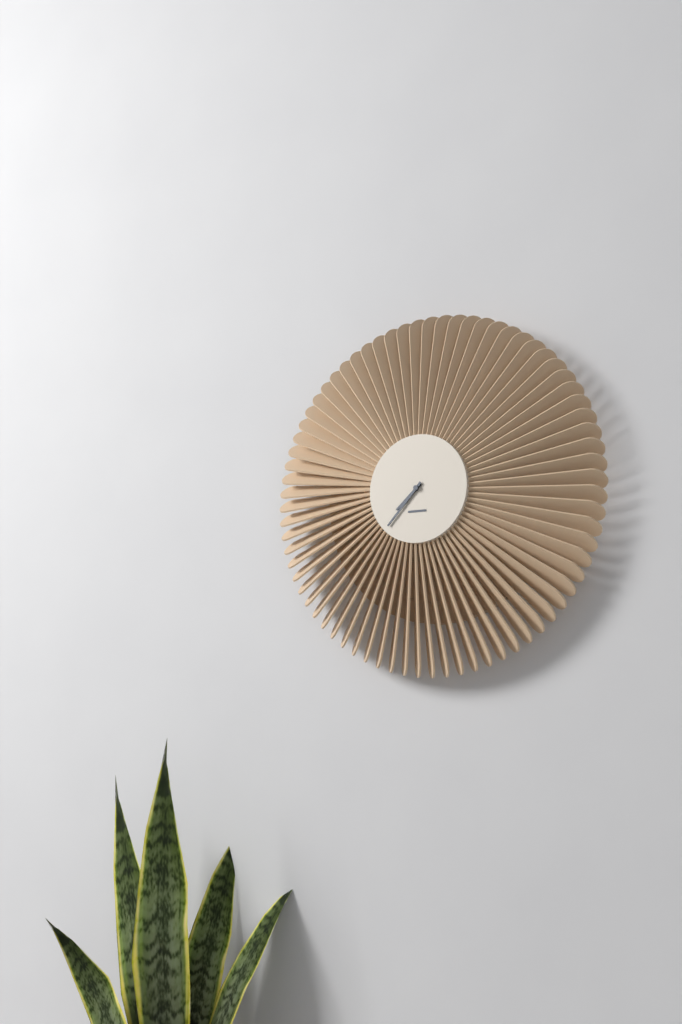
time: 7:37
